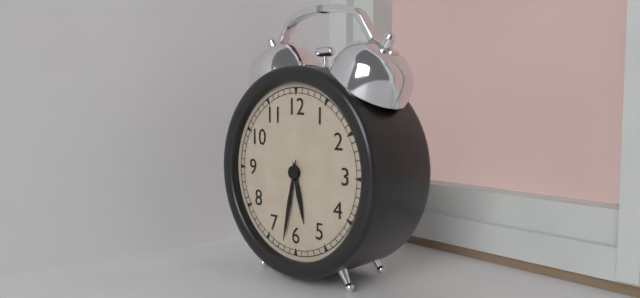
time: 5:32
